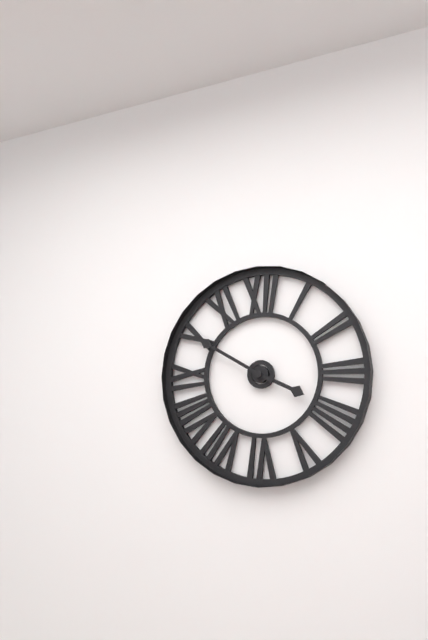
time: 3:50
